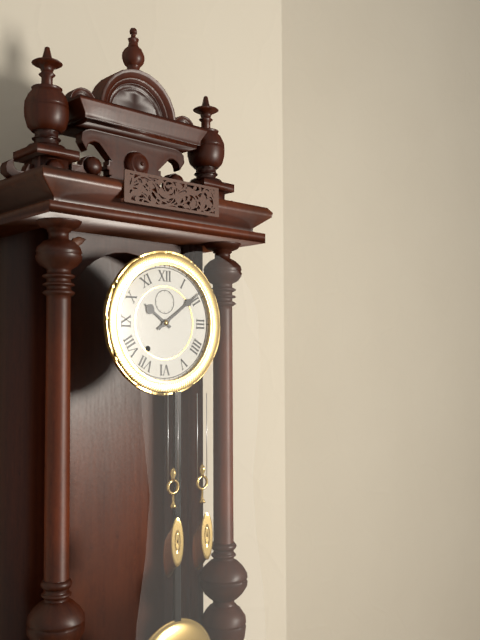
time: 10:09
